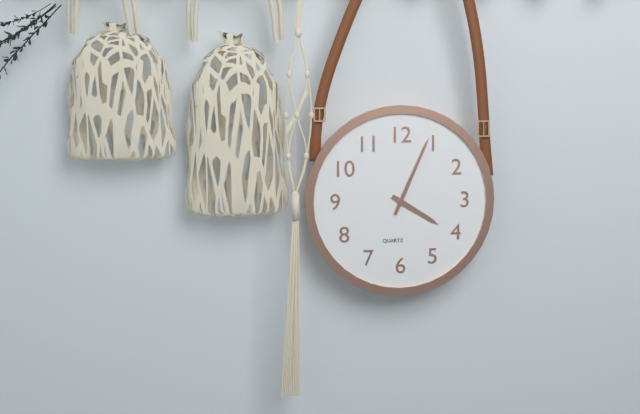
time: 4:04
